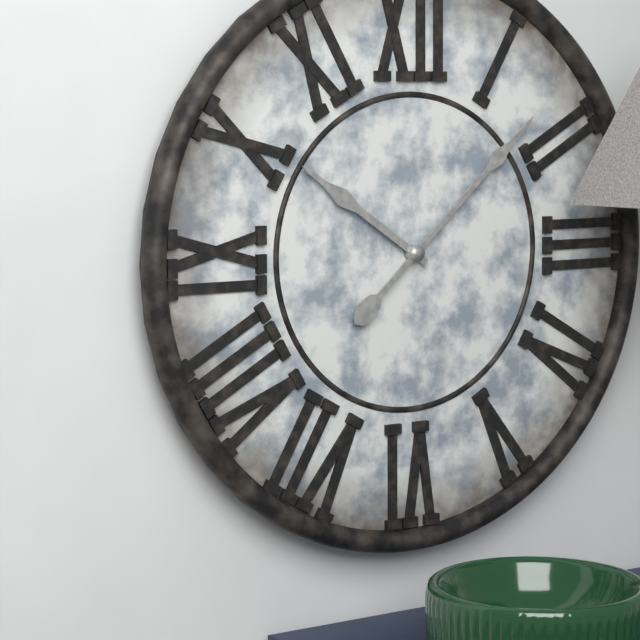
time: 10:08
